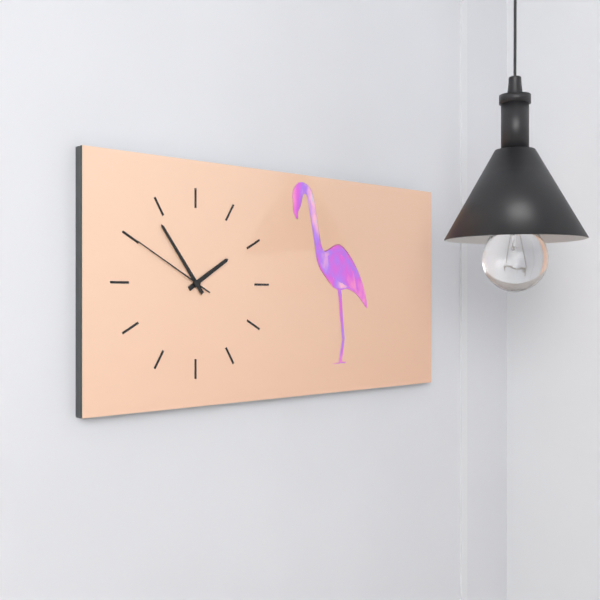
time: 1:54:50
